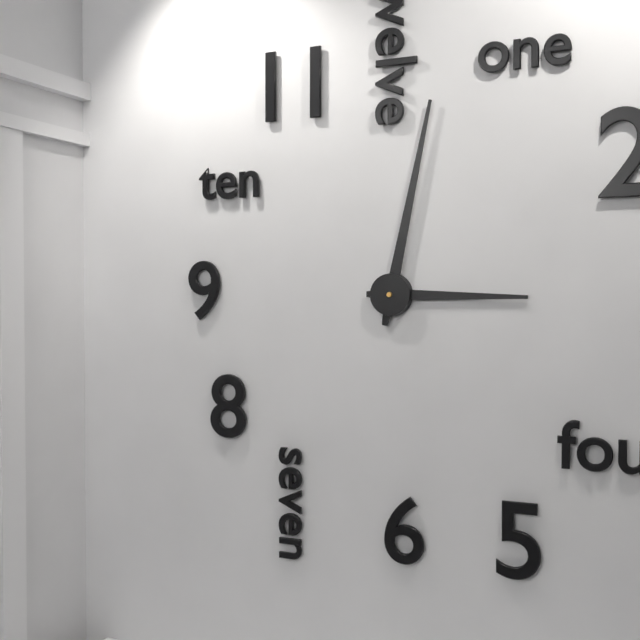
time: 3:02
